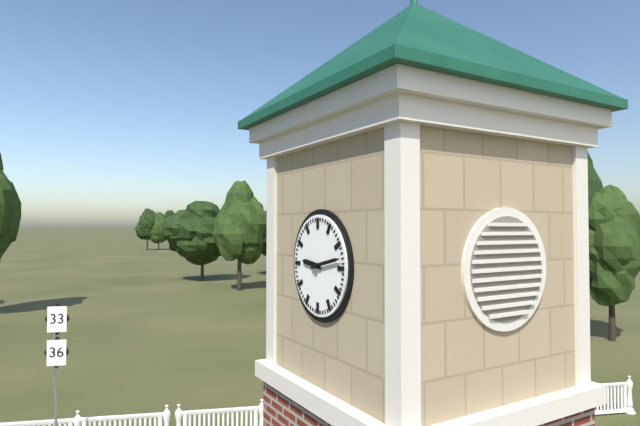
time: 9:13
